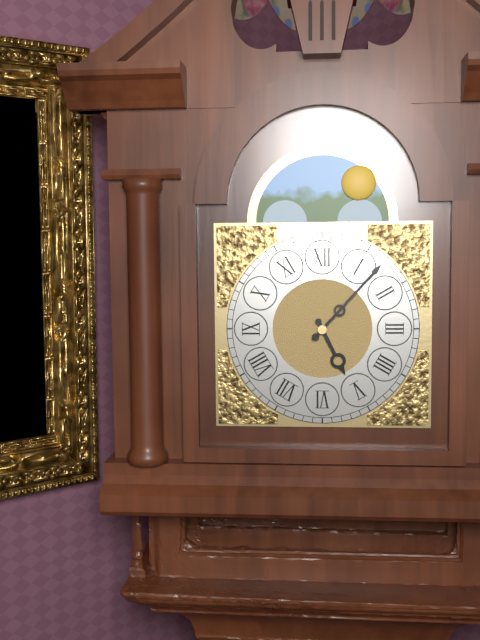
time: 5:07
